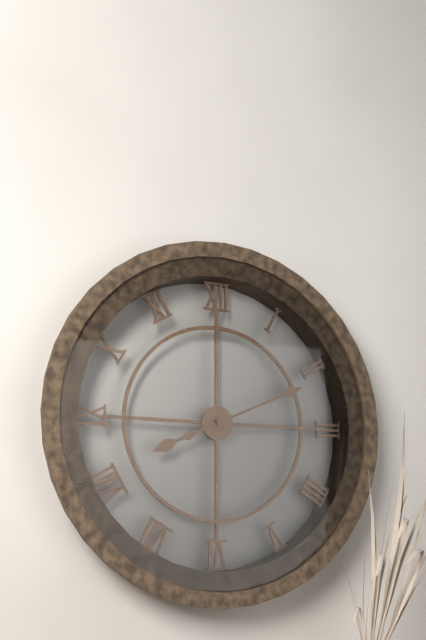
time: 8:11
